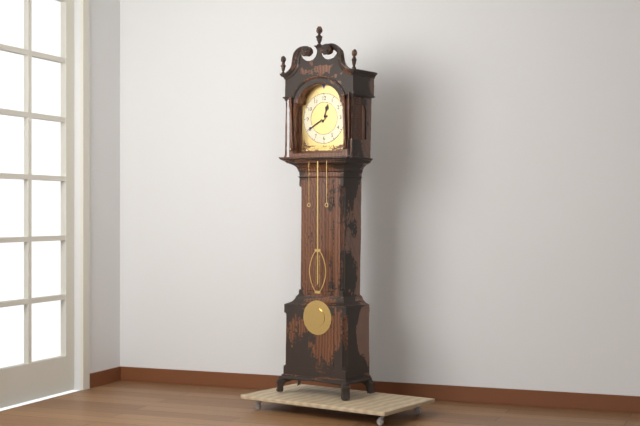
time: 12:40
